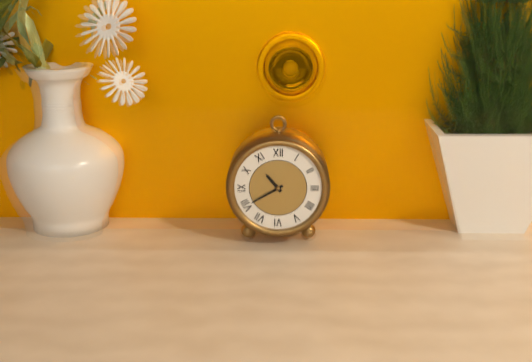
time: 10:40
